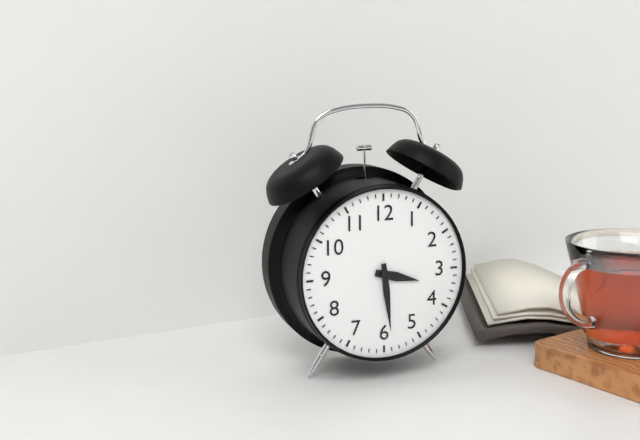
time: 3:29
